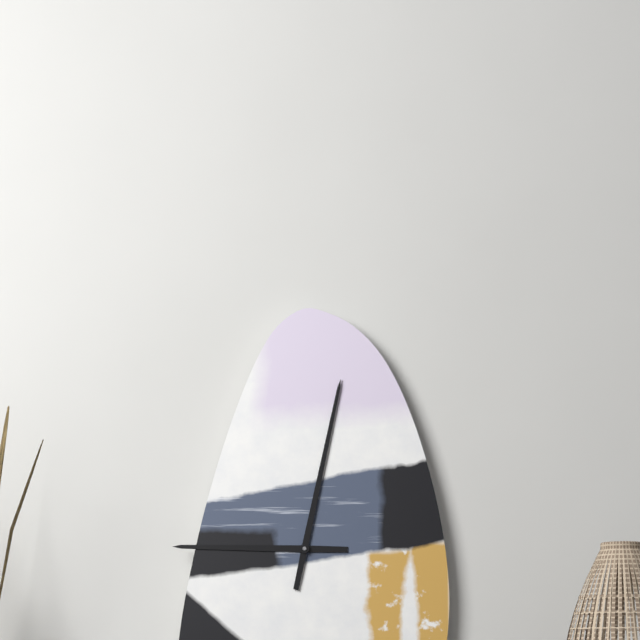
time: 9:02
